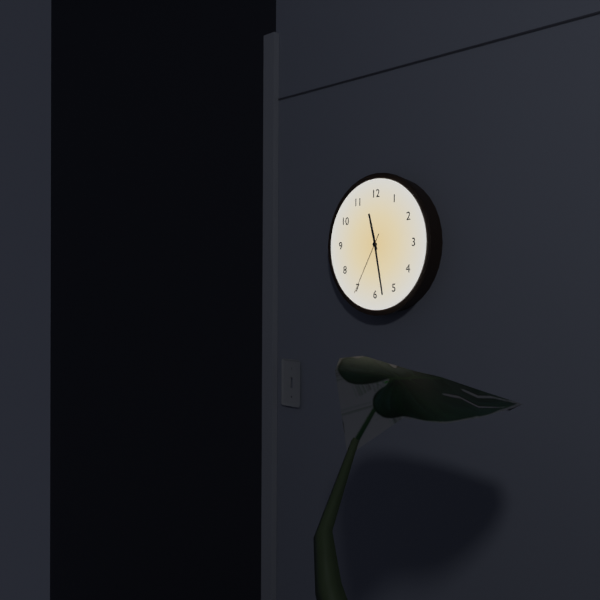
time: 11:28:35
